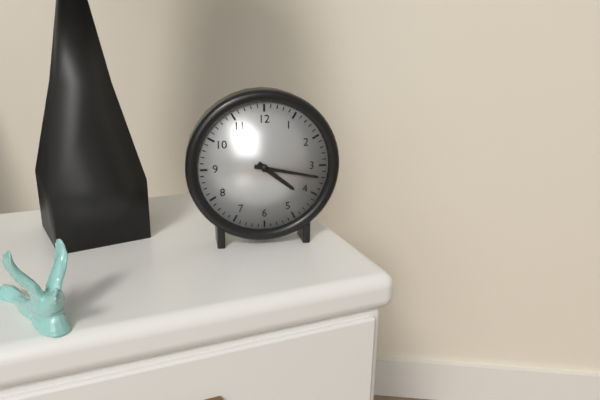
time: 4:17
